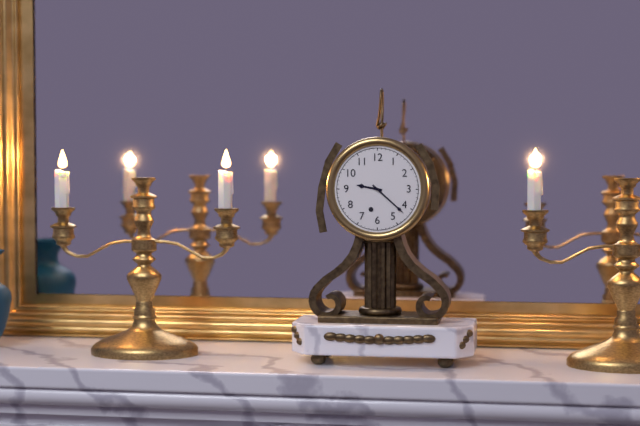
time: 9:22
